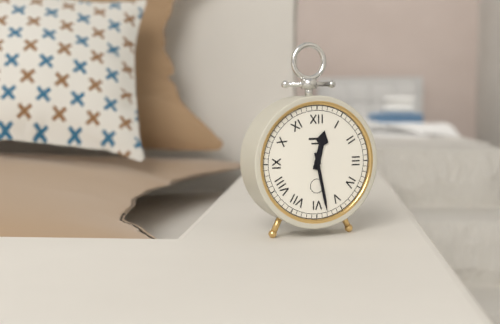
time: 12:28
